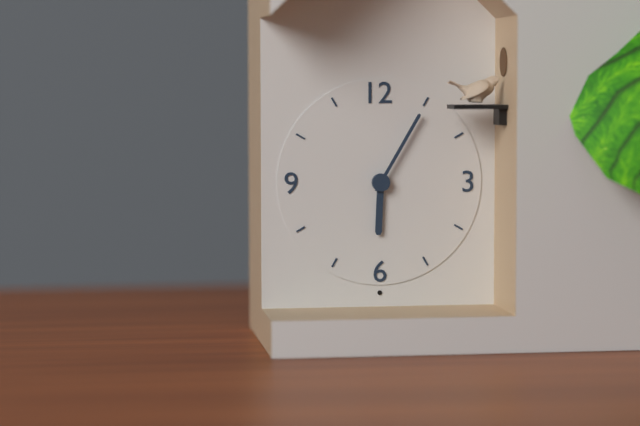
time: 6:05
